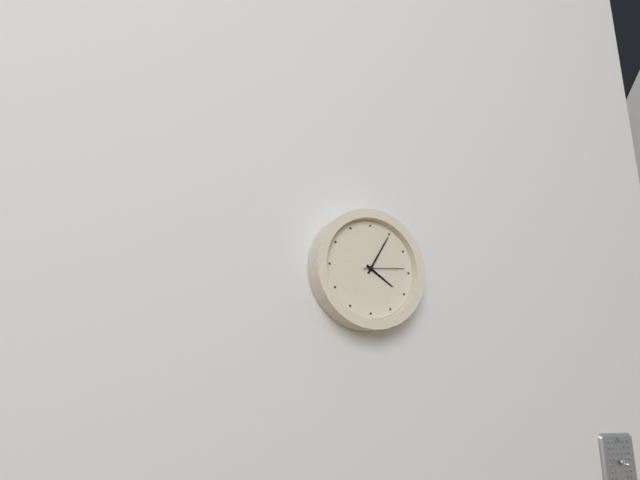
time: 4:05
